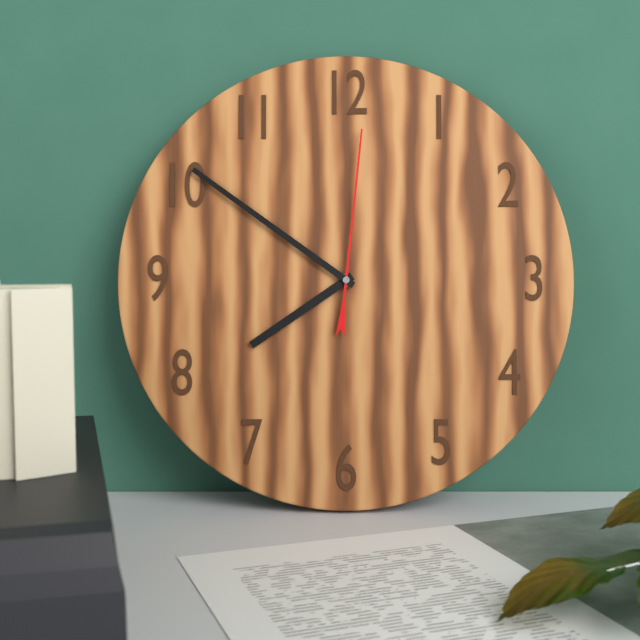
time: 7:51:01
